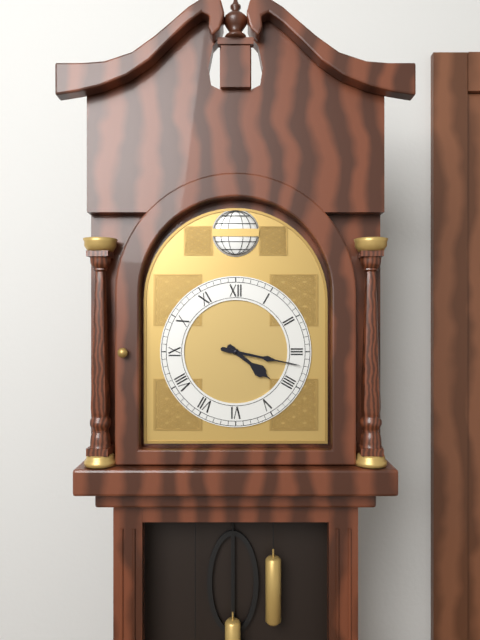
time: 4:17
